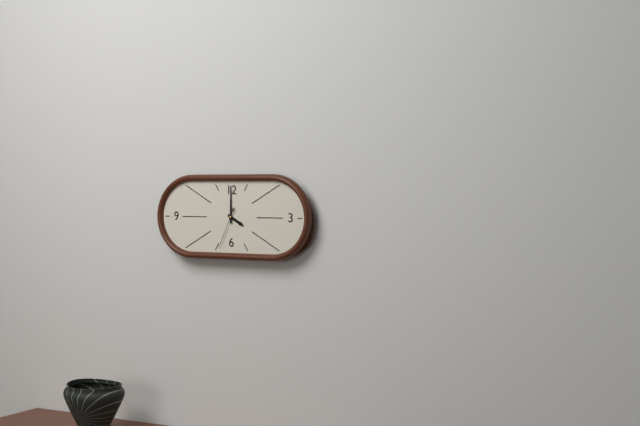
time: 4:00
